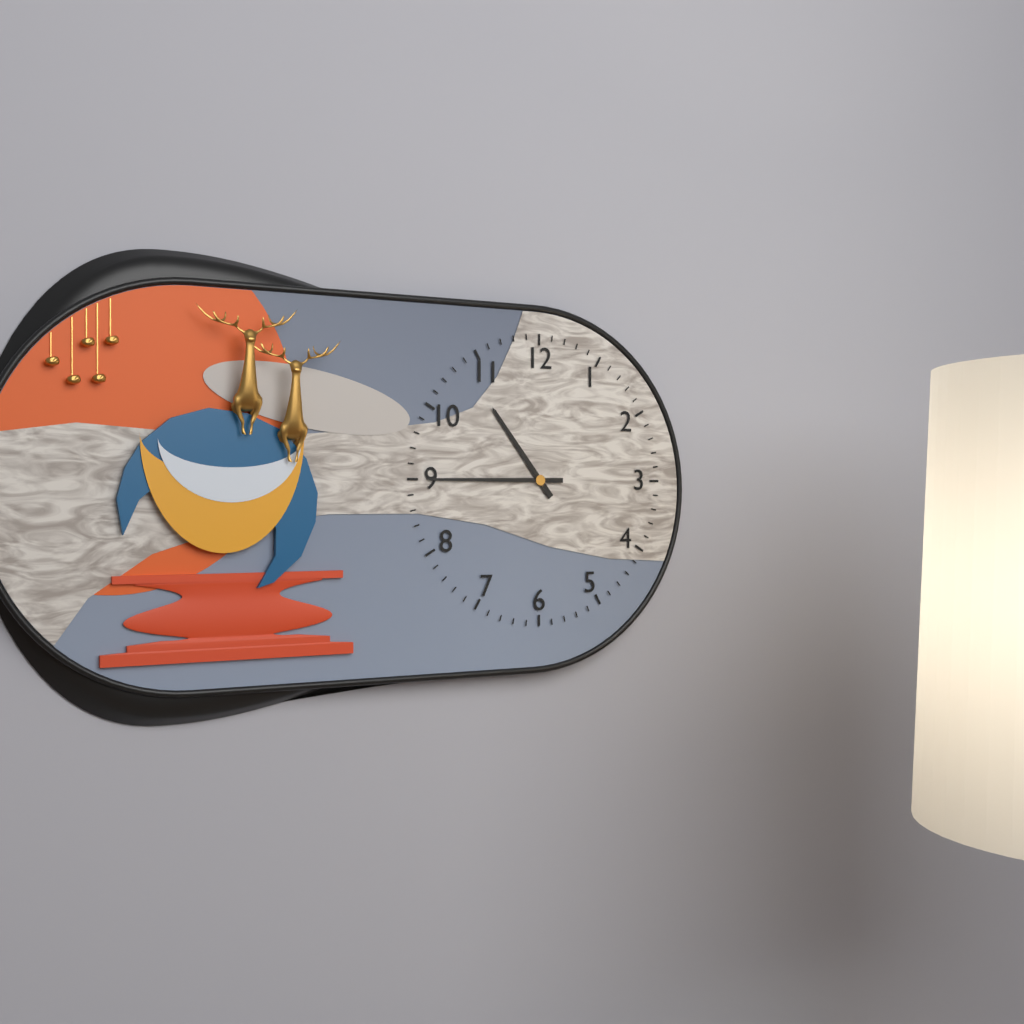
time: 10:45
